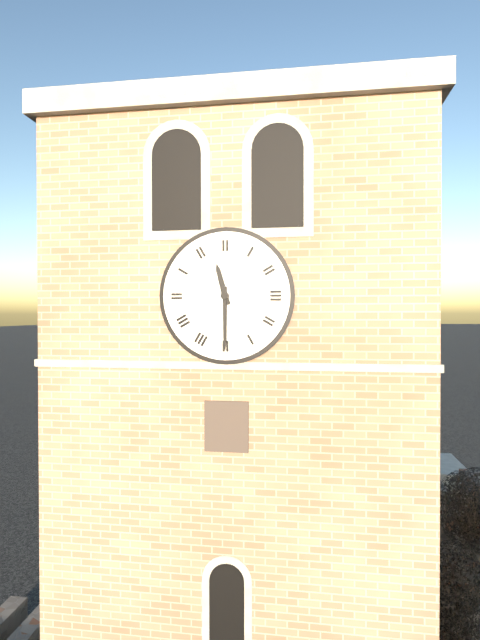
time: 11:30
